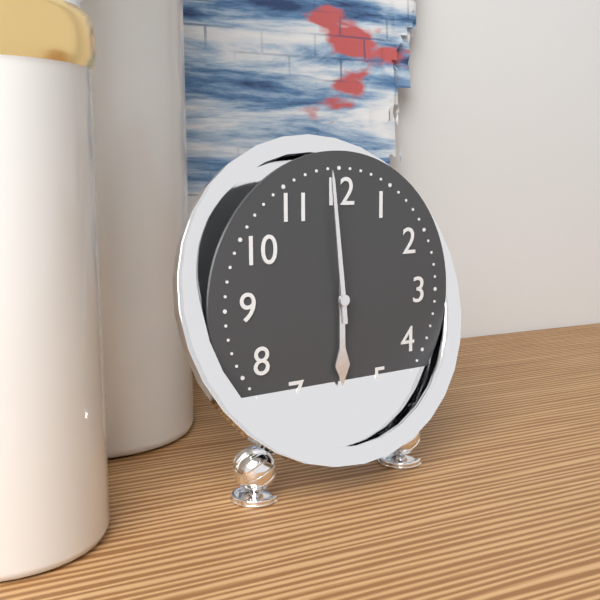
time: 5:59
